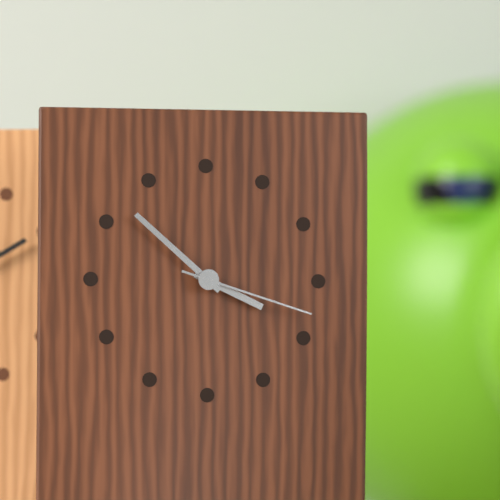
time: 3:52:18
